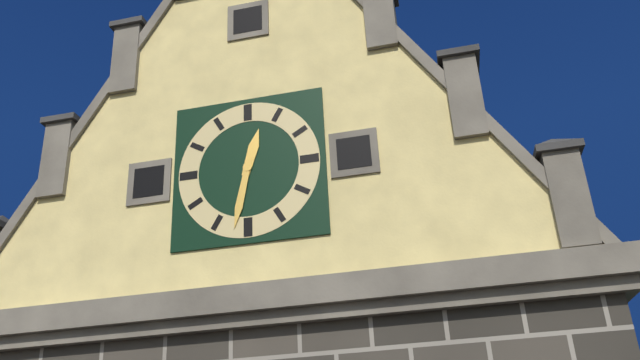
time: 12:32
